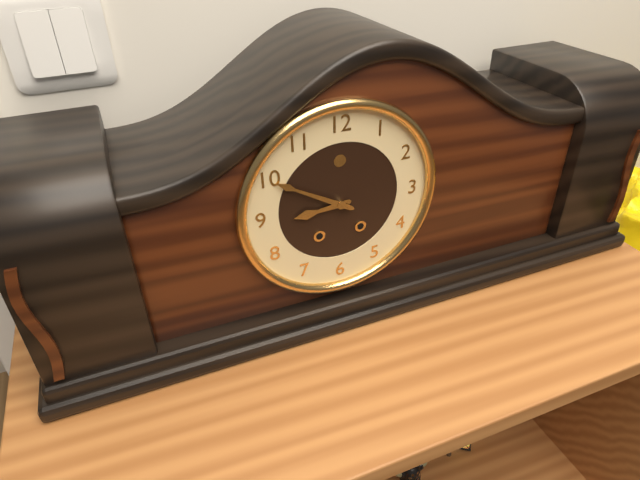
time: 8:50
